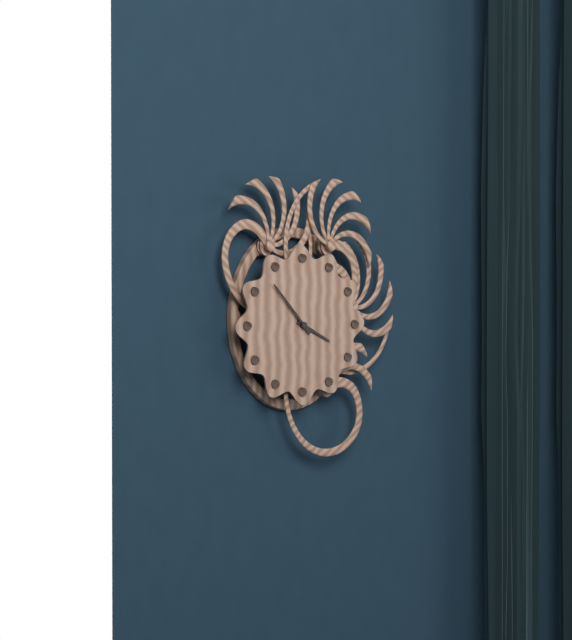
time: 3:53
